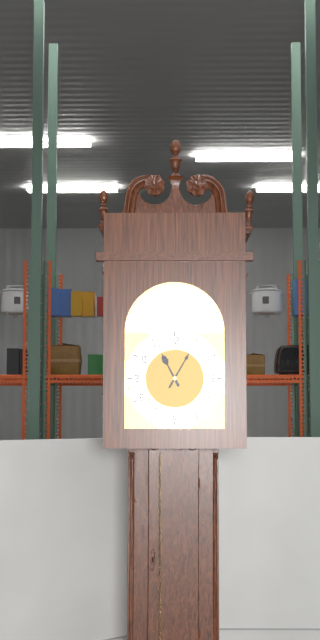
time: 11:05
